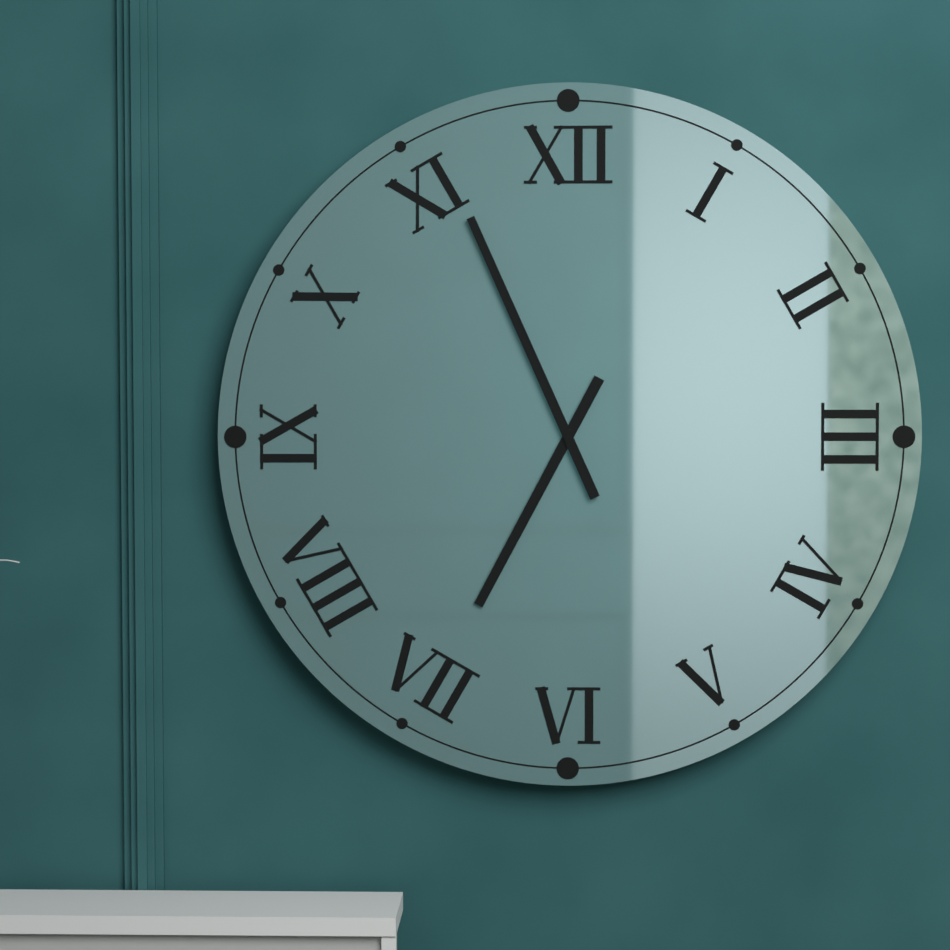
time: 6:56
